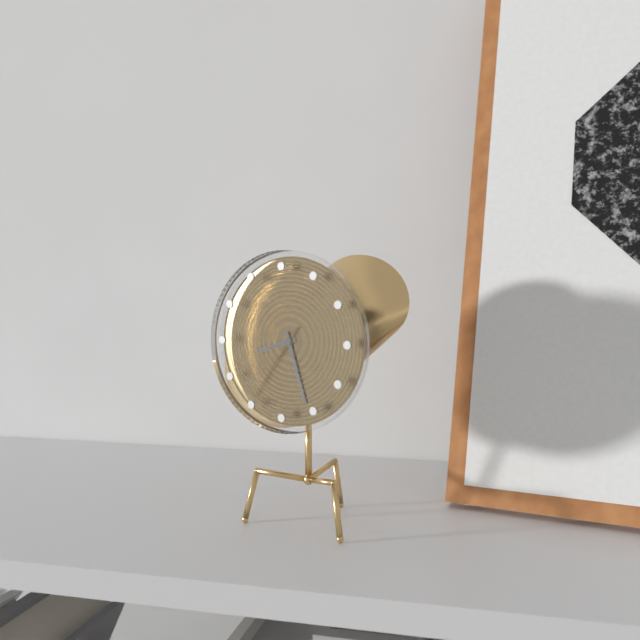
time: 8:27:36
